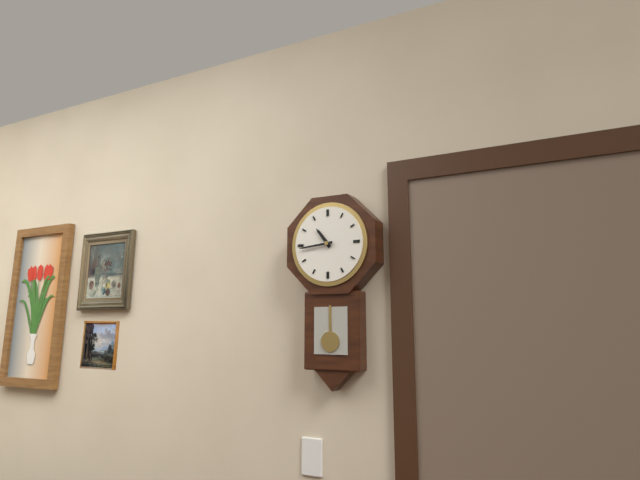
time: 10:44
